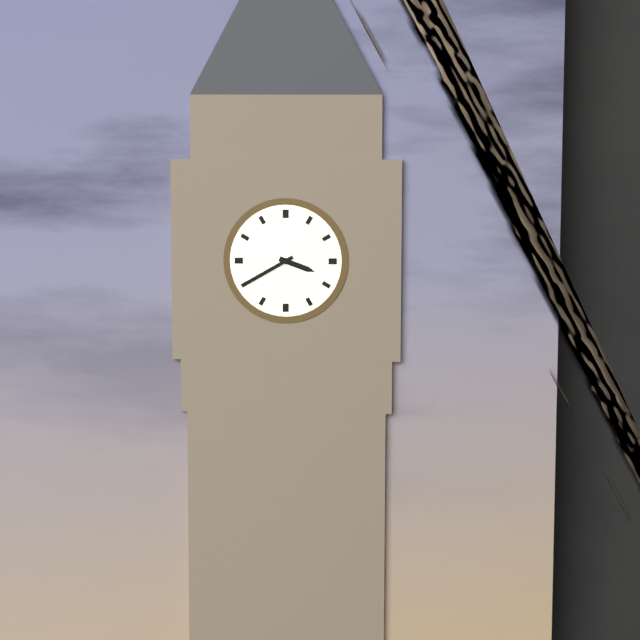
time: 3:40
